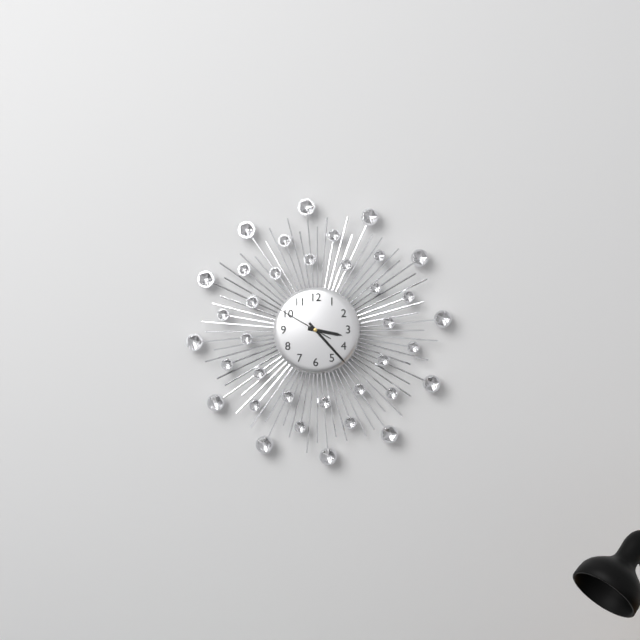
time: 3:23:50
